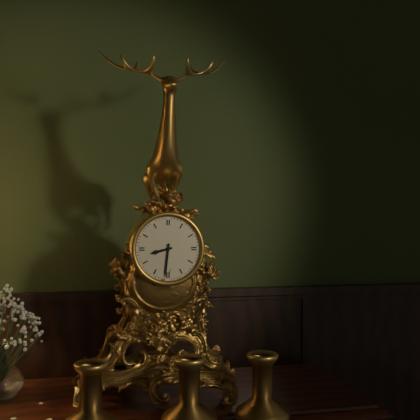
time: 8:31
